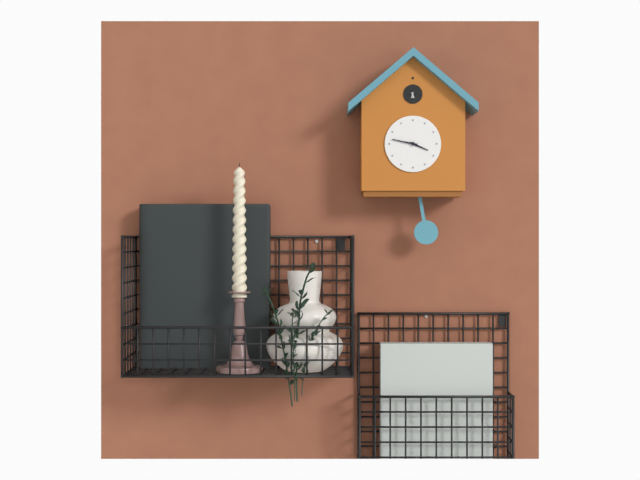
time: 3:47
